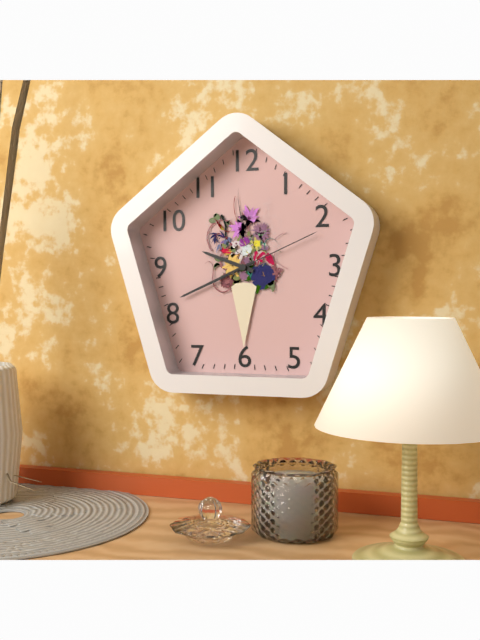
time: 9:41:11
